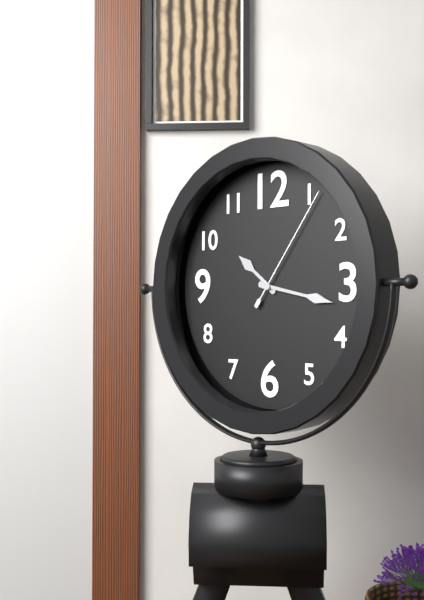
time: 10:17:06
